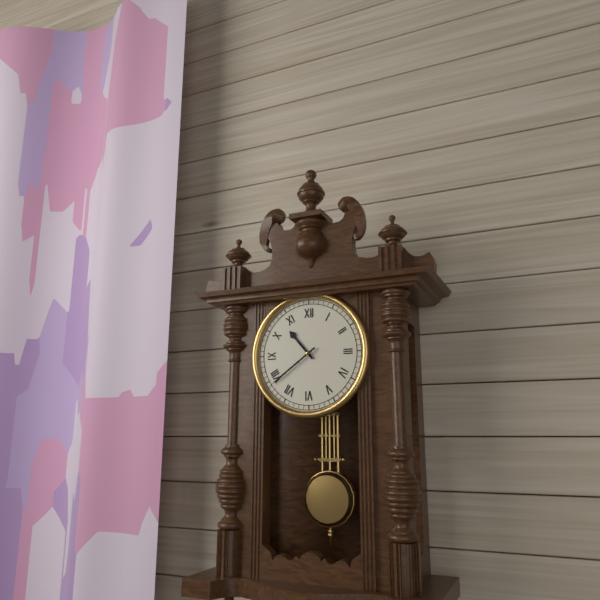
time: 10:39
